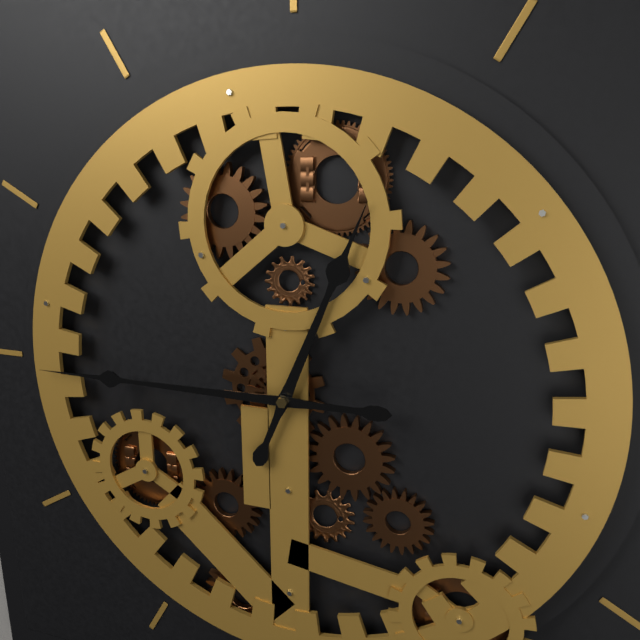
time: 12:45
